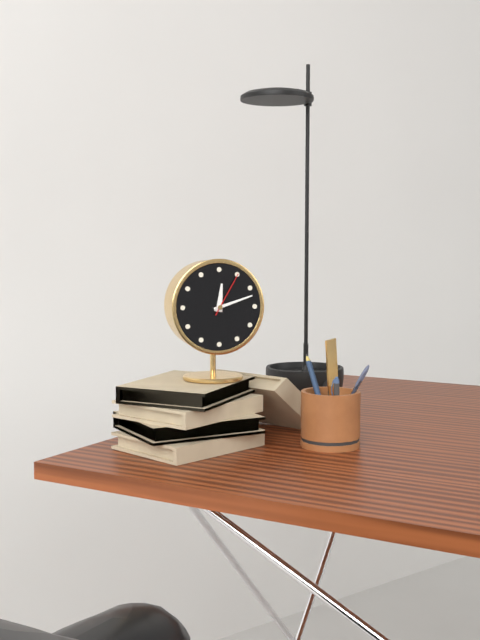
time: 12:12
